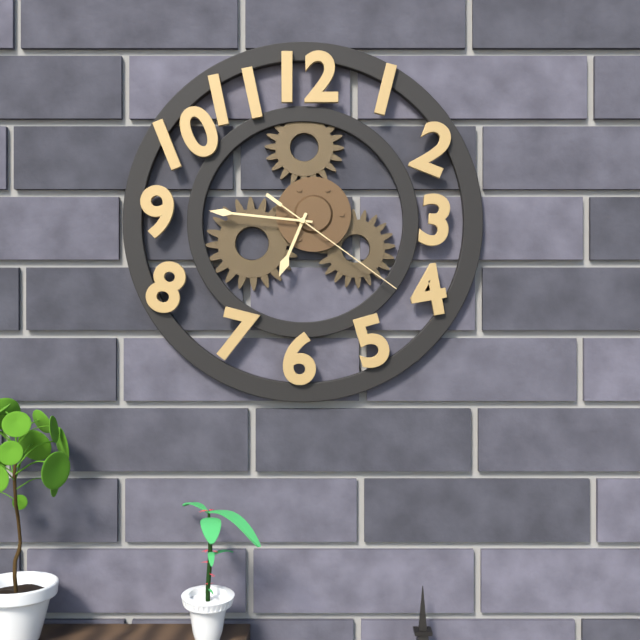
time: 6:46:21
